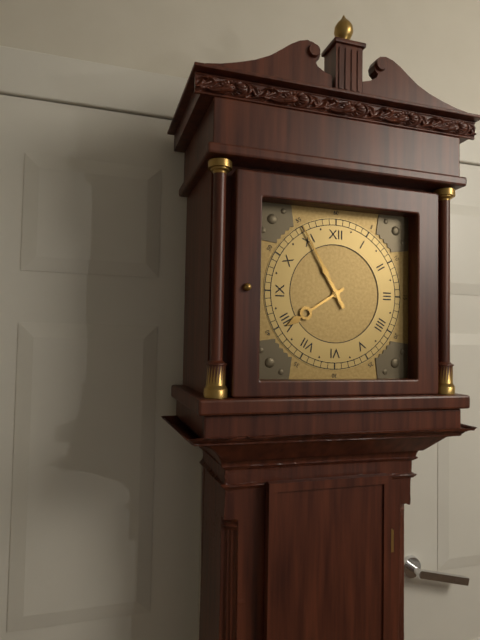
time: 7:55
